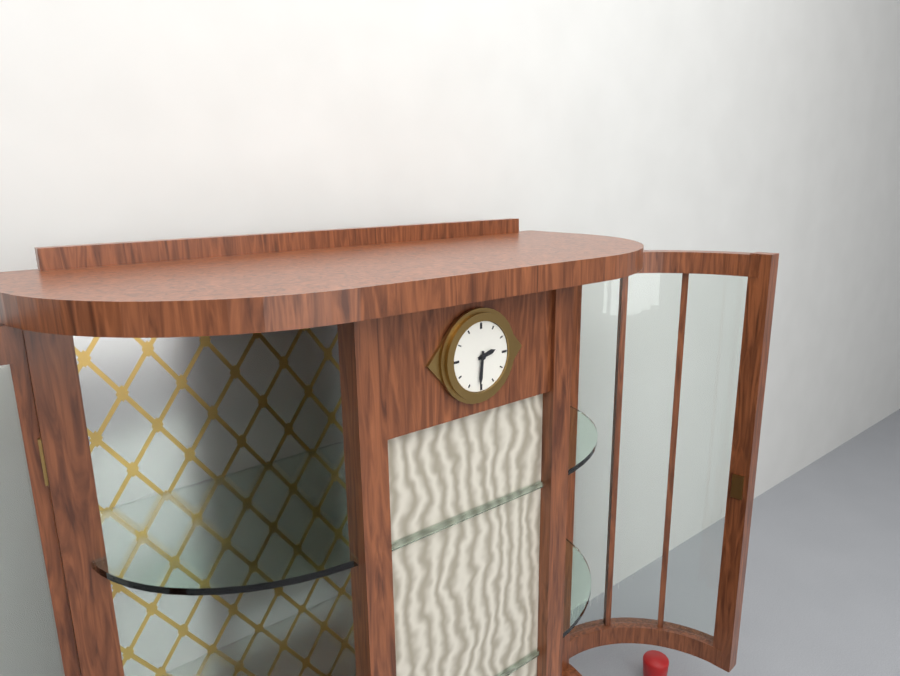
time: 2:31
